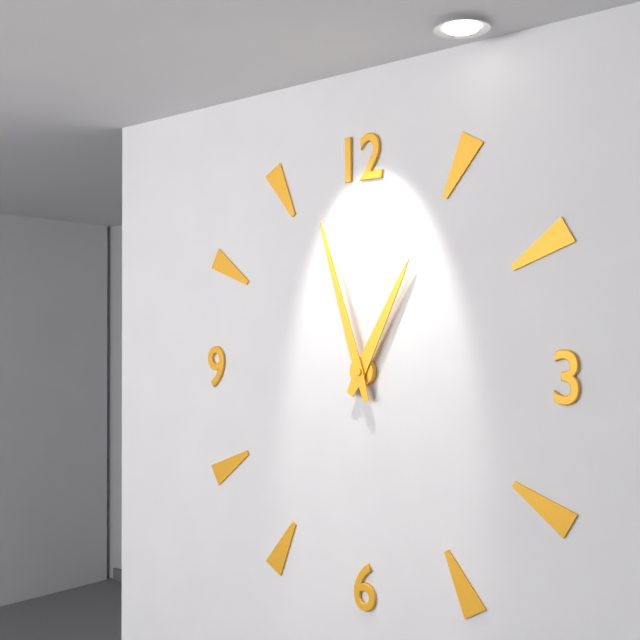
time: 12:57
